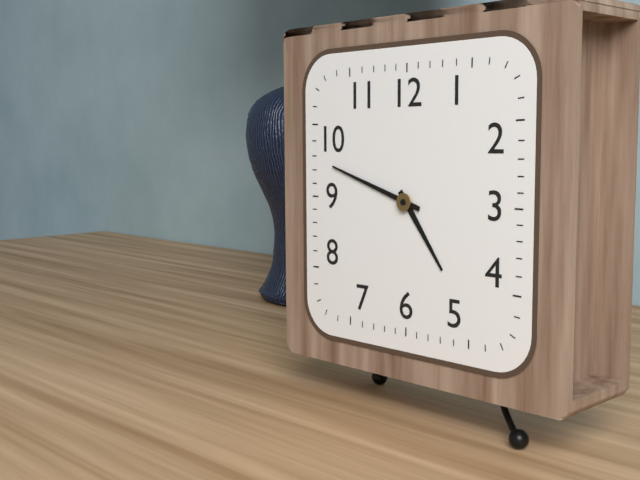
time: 4:48
